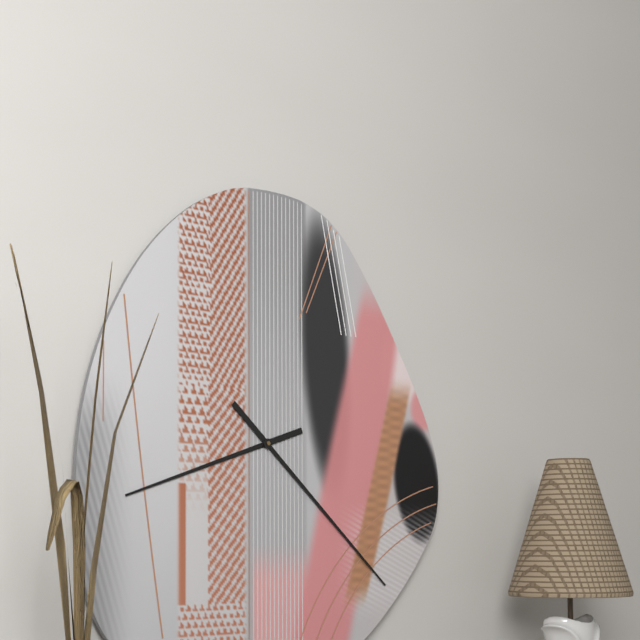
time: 8:22
